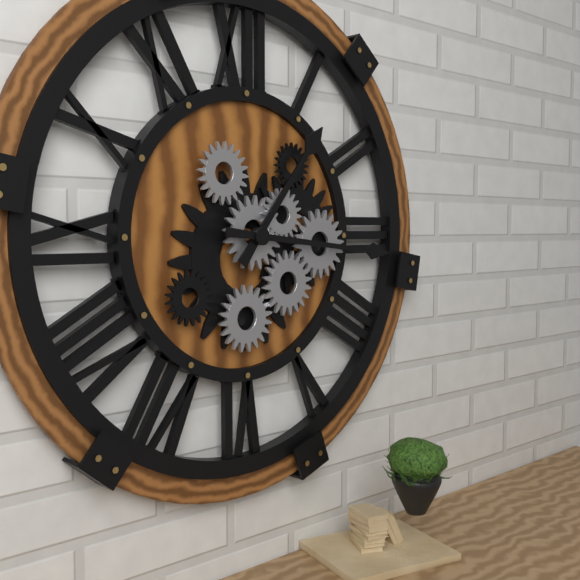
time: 1:16
